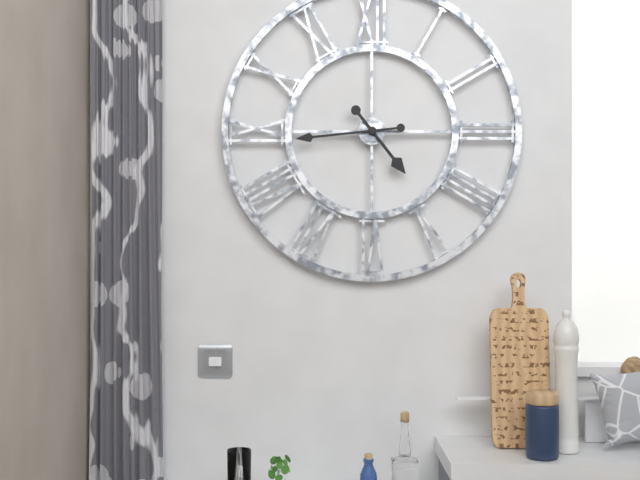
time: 4:44
